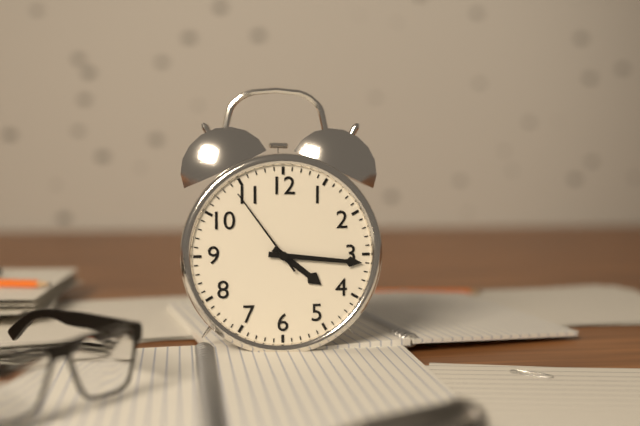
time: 4:16:54
